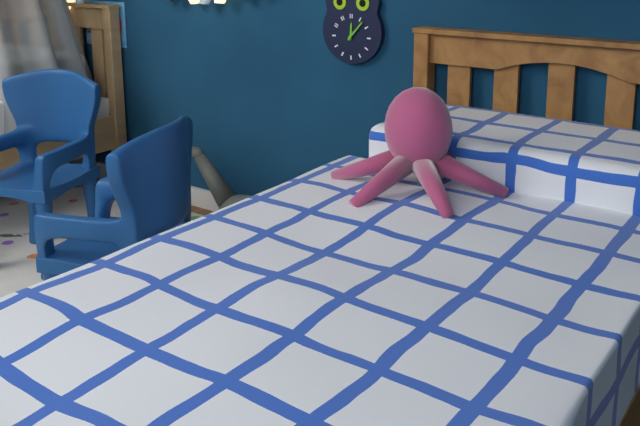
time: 12:07
